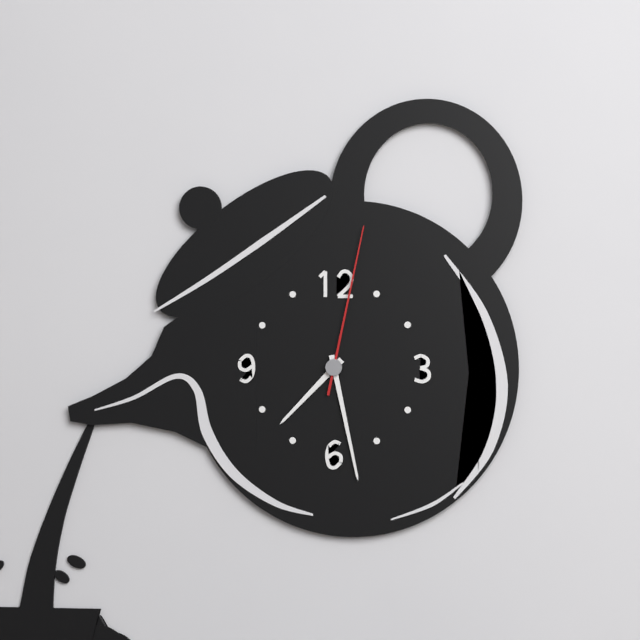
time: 7:28:02
